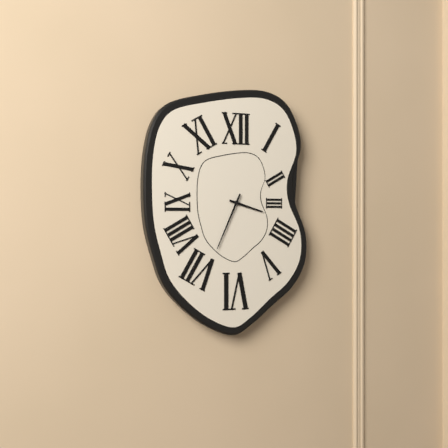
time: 3:34
